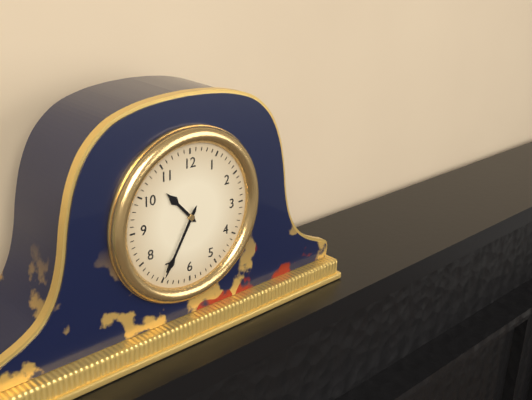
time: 10:35
